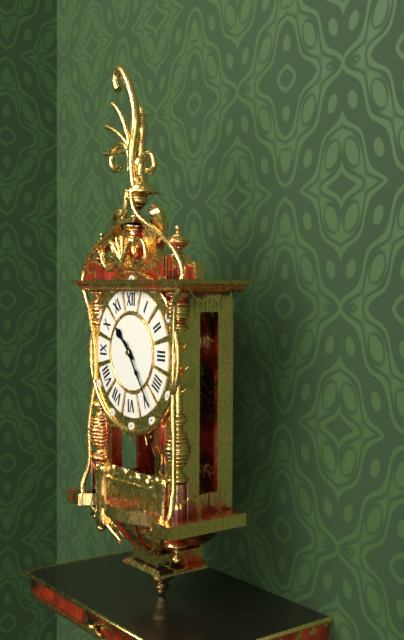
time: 10:24
